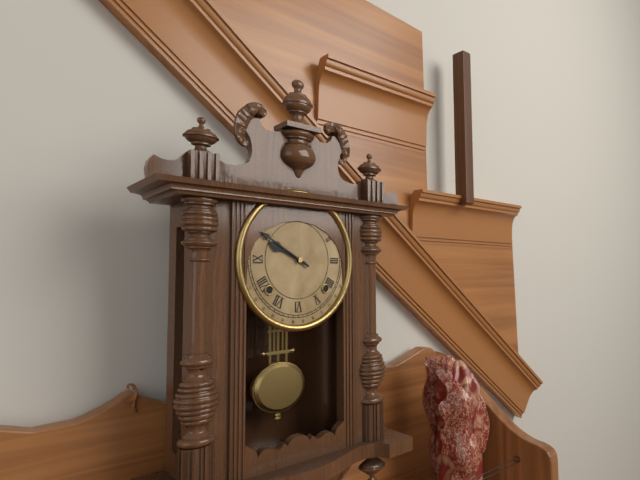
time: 9:50
